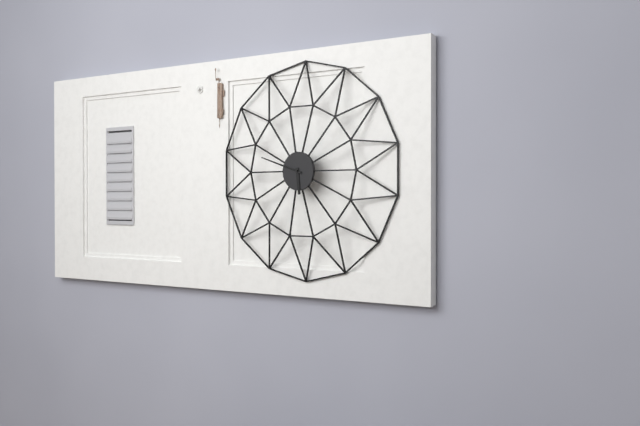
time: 5:48
